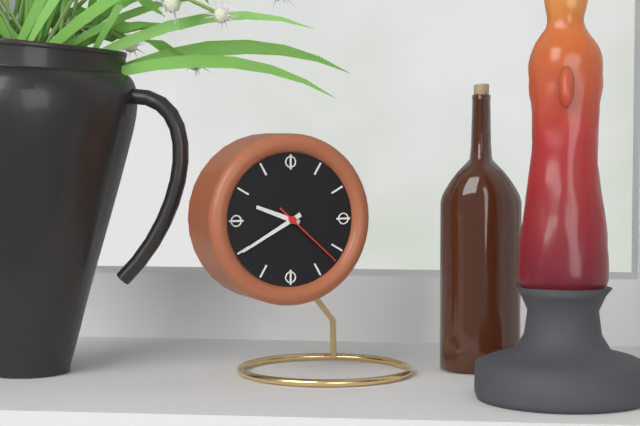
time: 9:40:22
